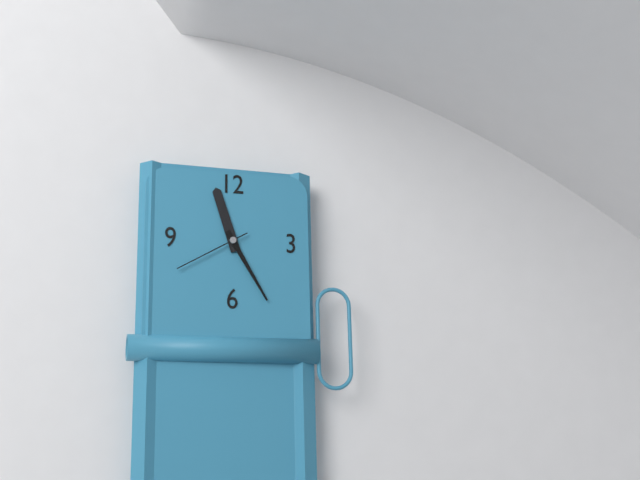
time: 11:25:40
